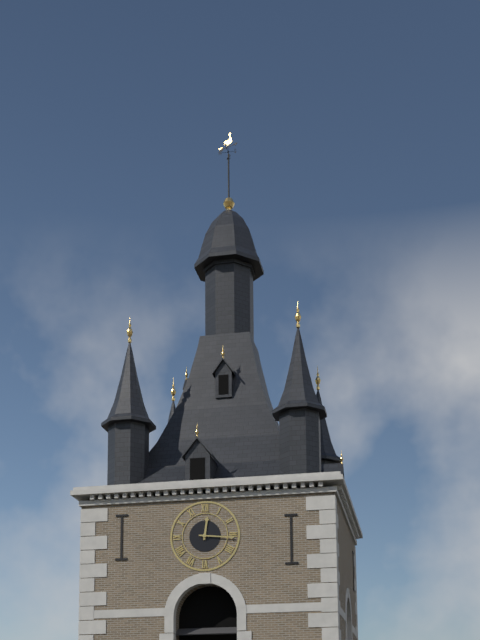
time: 12:16
